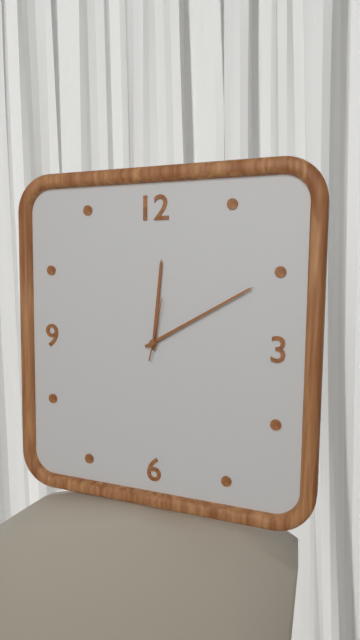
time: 12:10:02
